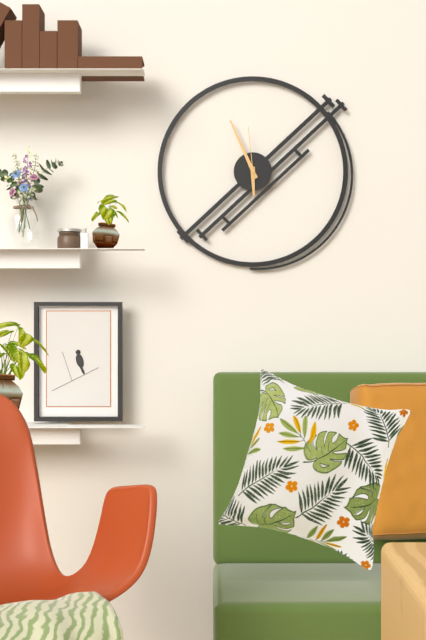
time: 5:56:59
